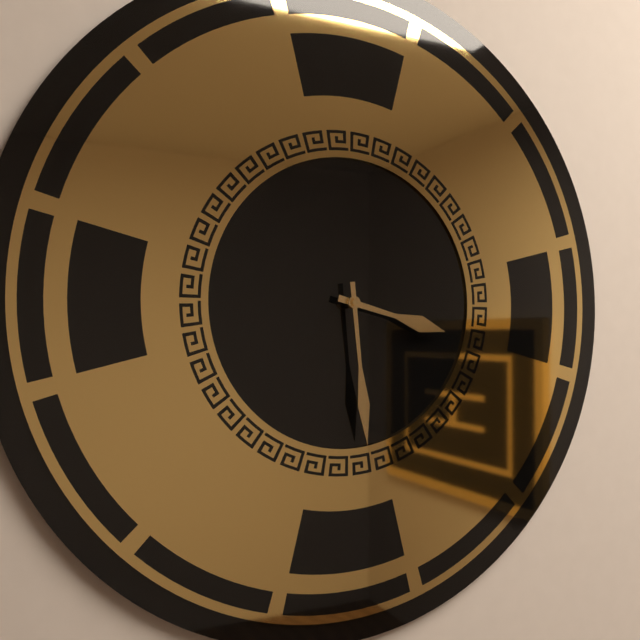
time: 3:29
